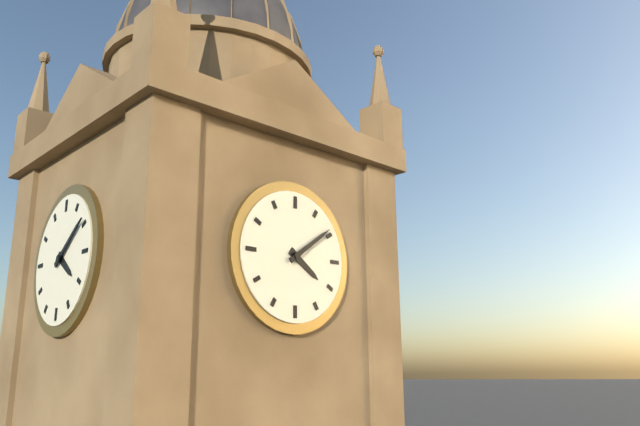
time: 4:09
